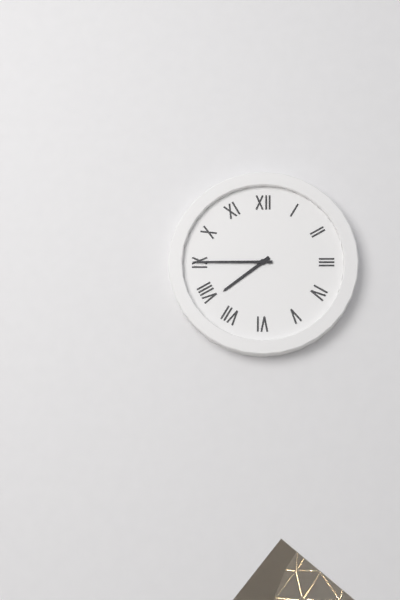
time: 7:45
